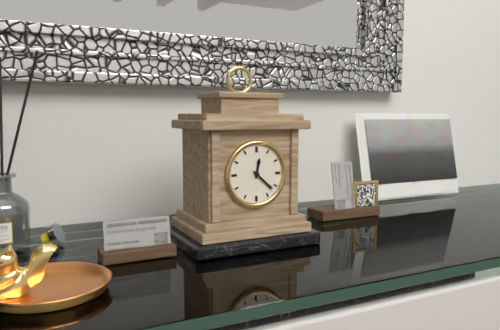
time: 12:22
